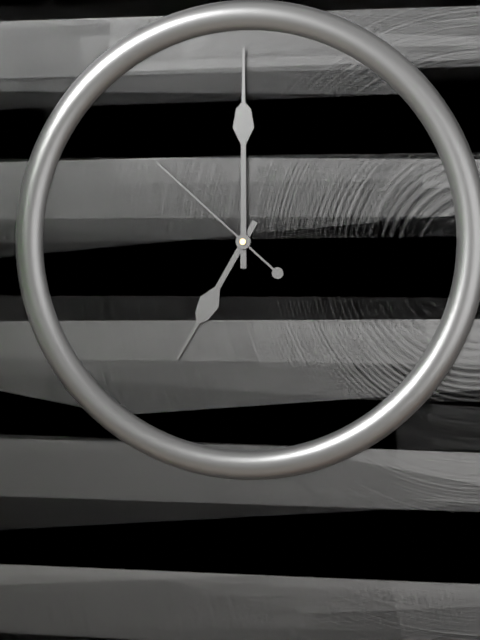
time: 7:00:52
